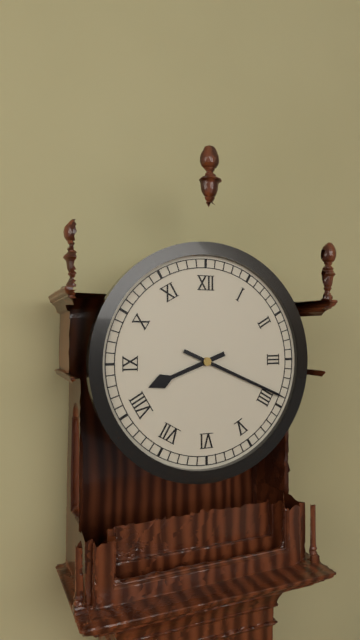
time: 8:19
